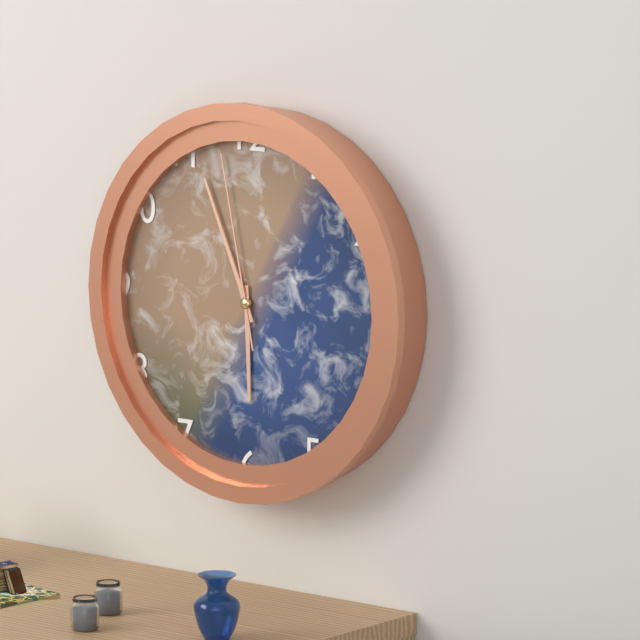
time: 5:56:58
